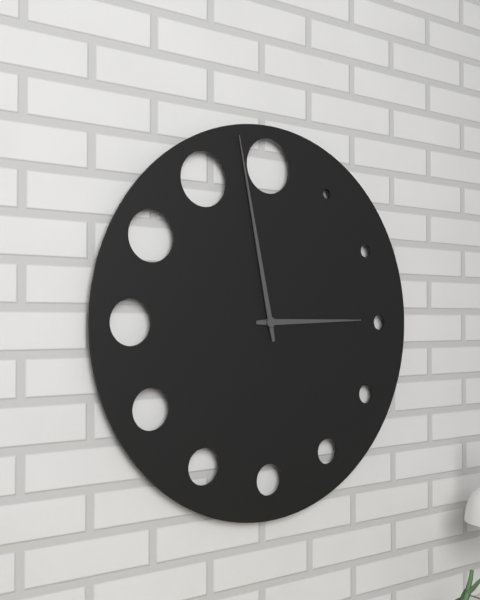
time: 2:58
